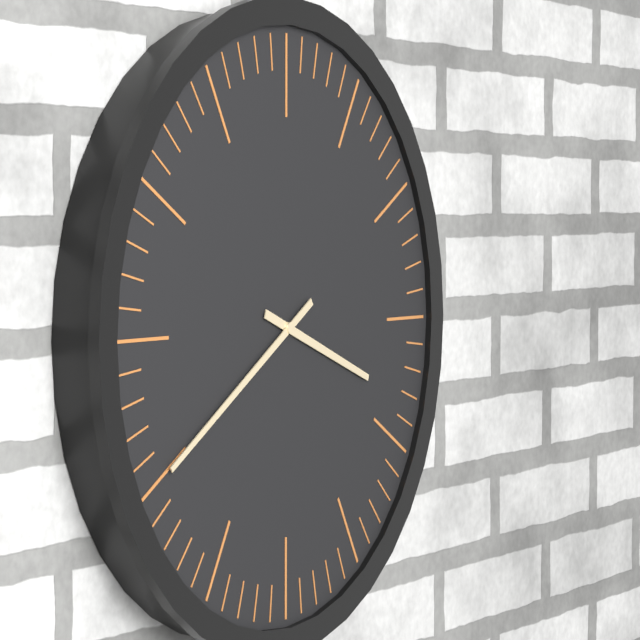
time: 3:40
